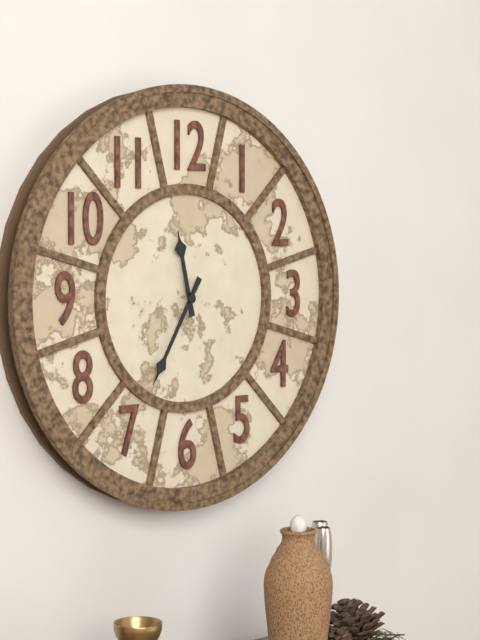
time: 11:35
